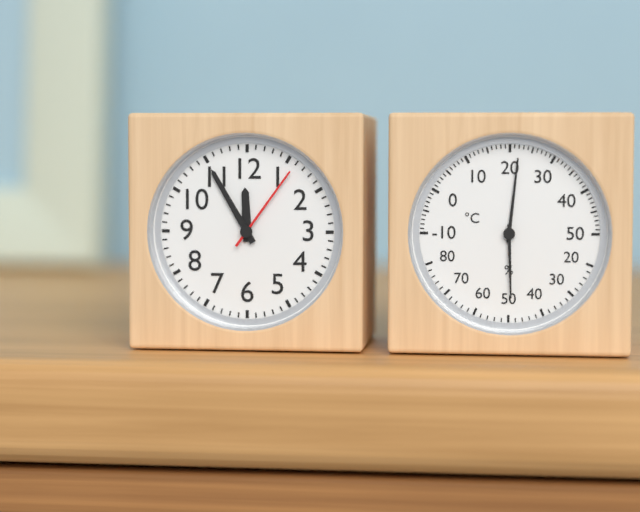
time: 11:55:06
